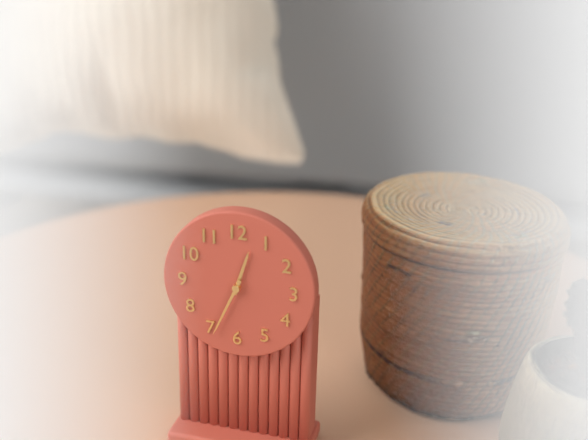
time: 12:34
